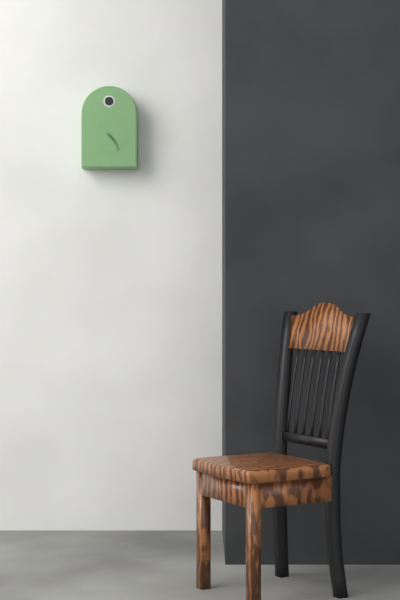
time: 4:24
